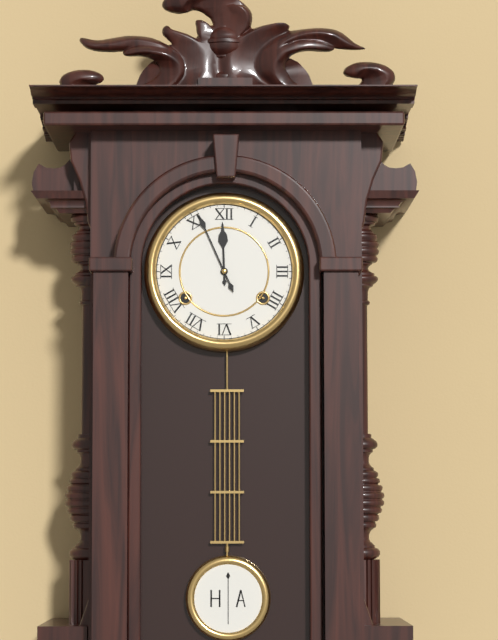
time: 11:56
